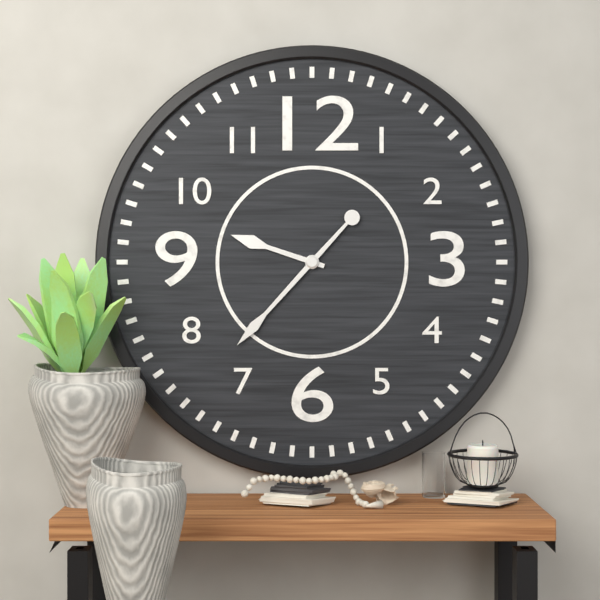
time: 9:37
